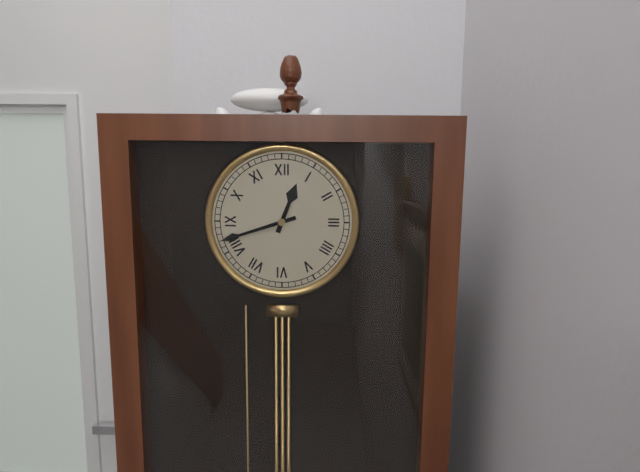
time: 12:42
